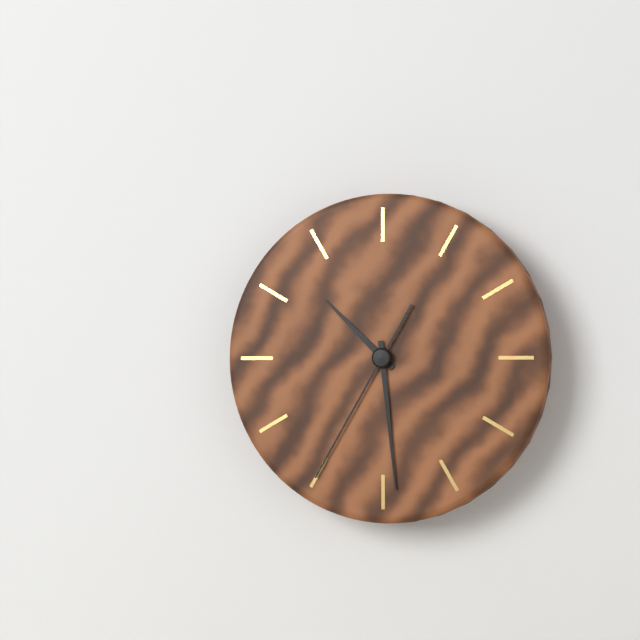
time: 10:29:35
